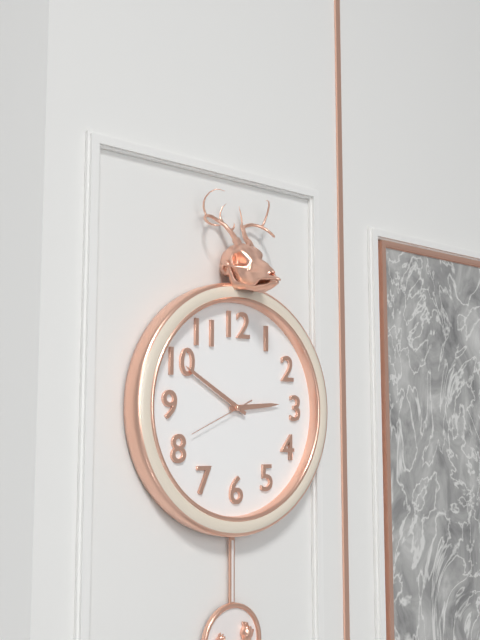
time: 2:50:41
